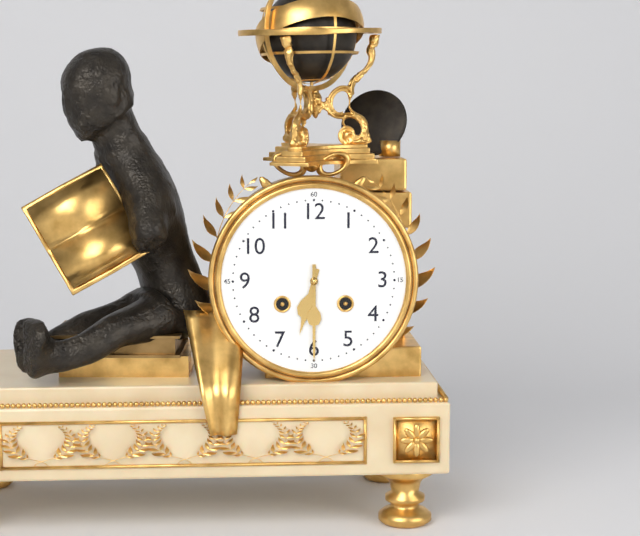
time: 6:30
